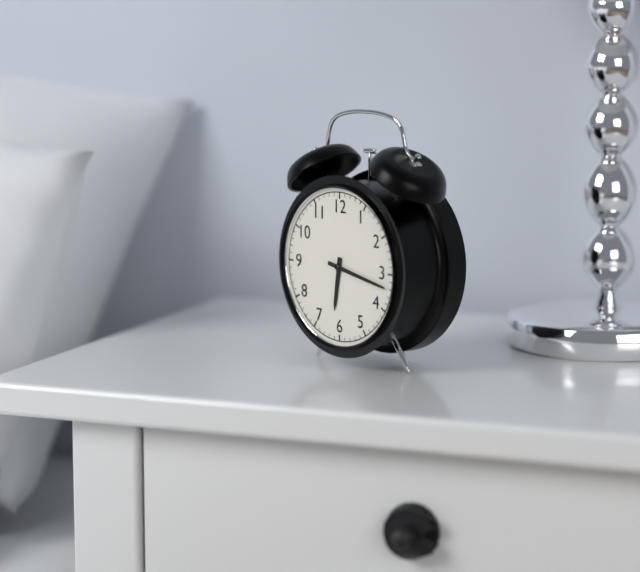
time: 6:17
